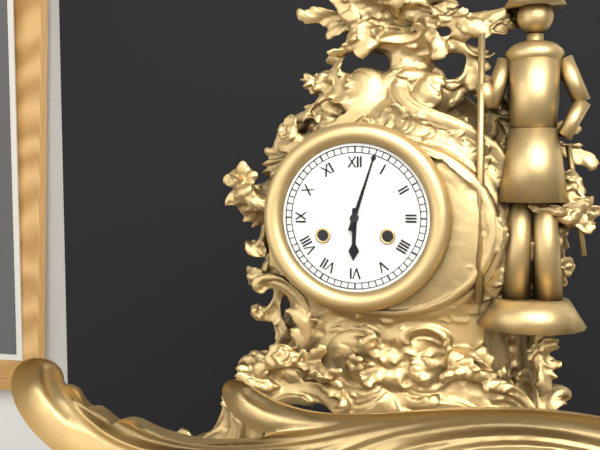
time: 6:03
